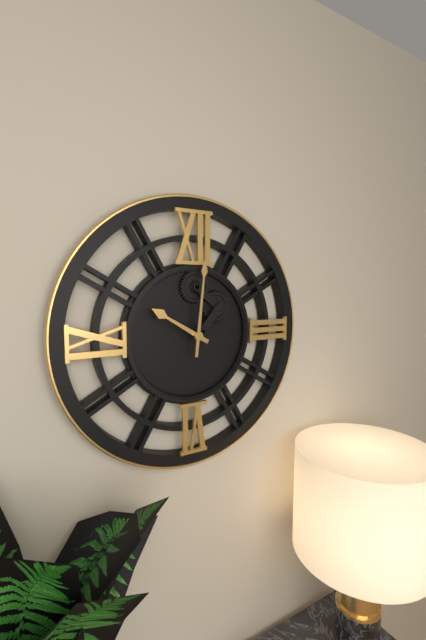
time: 10:01
